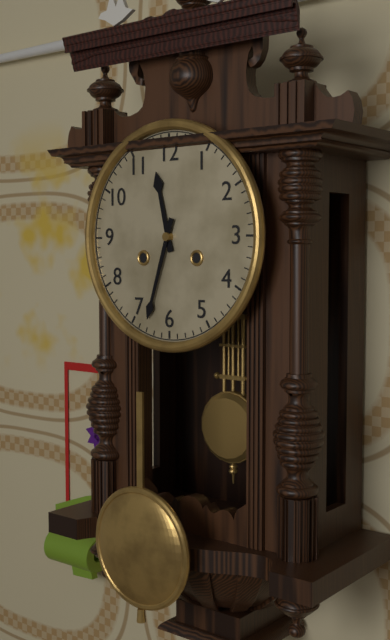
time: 11:33
